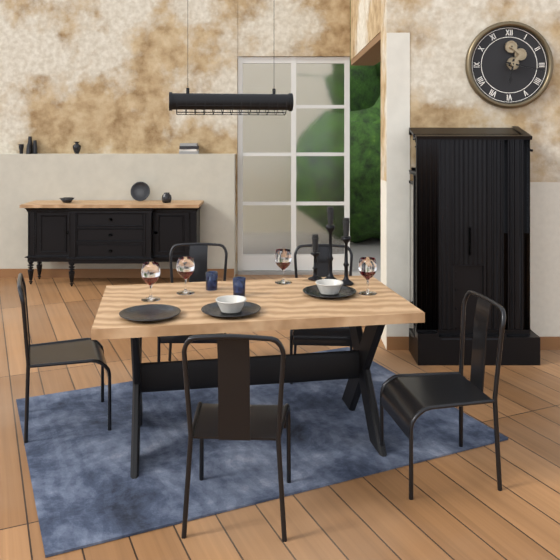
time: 6:17
